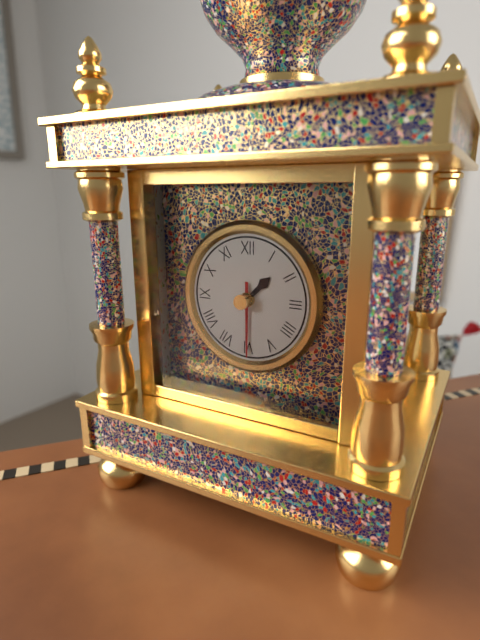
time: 1:30
